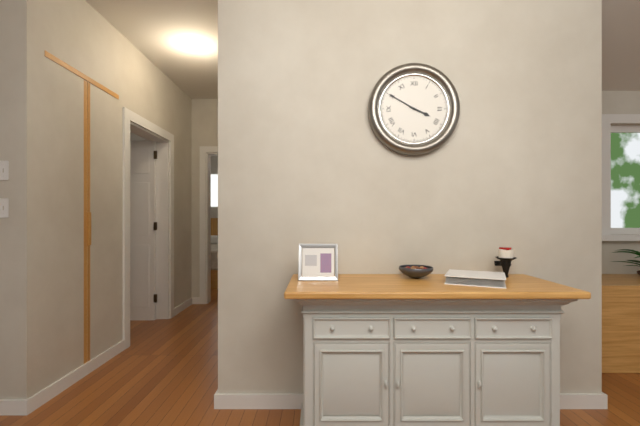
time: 3:50
